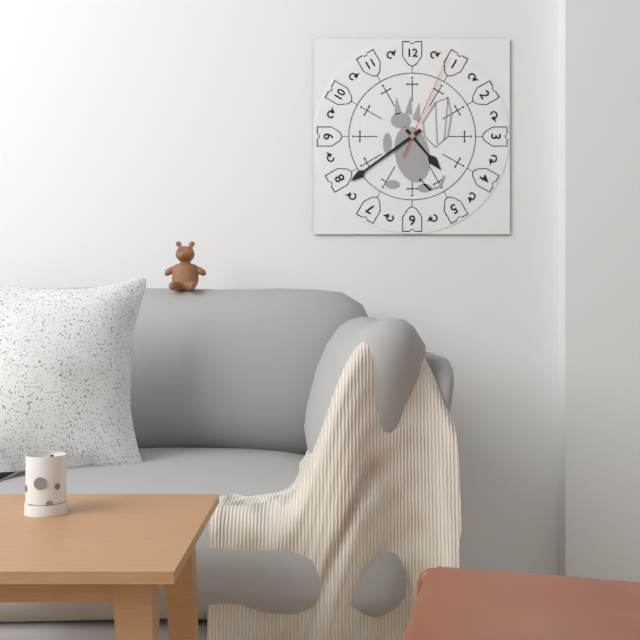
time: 4:39:04
